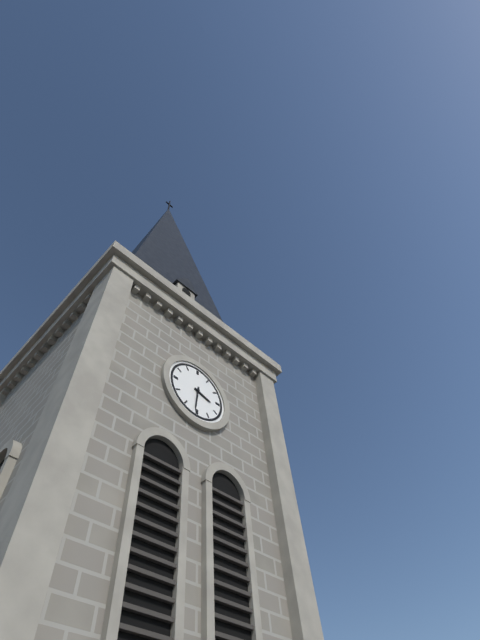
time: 3:31
